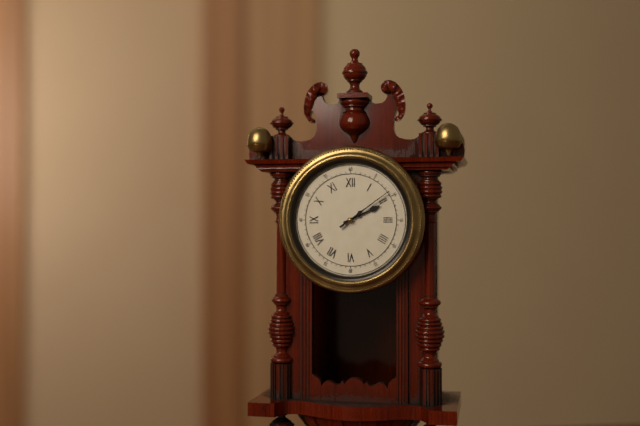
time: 2:09
